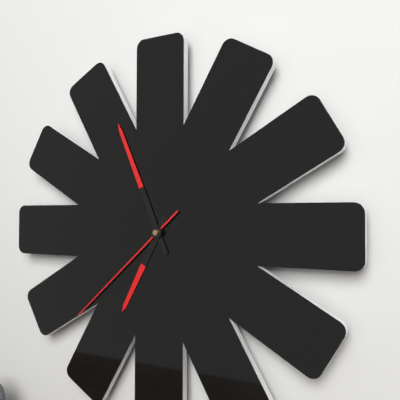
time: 6:56:38
